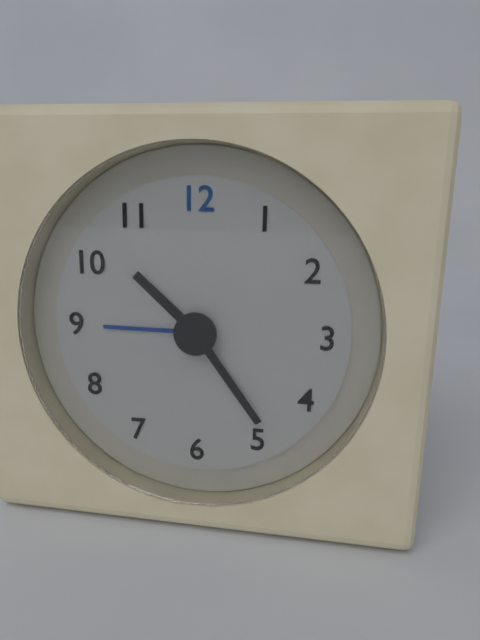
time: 10:24
